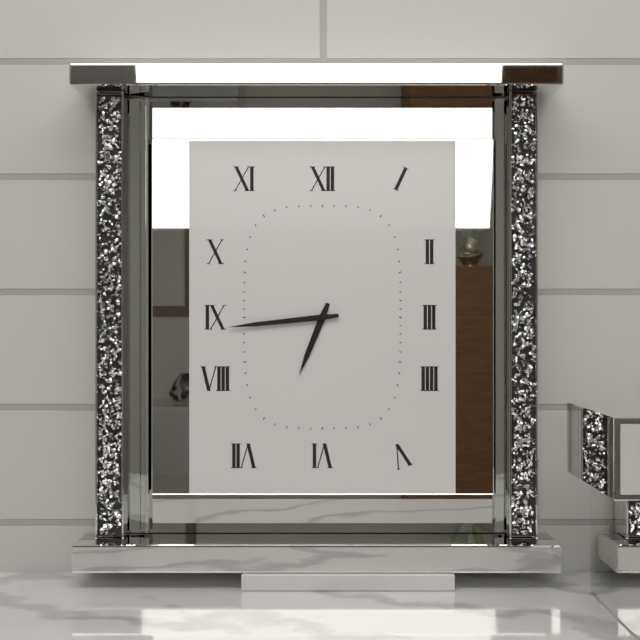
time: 6:44
